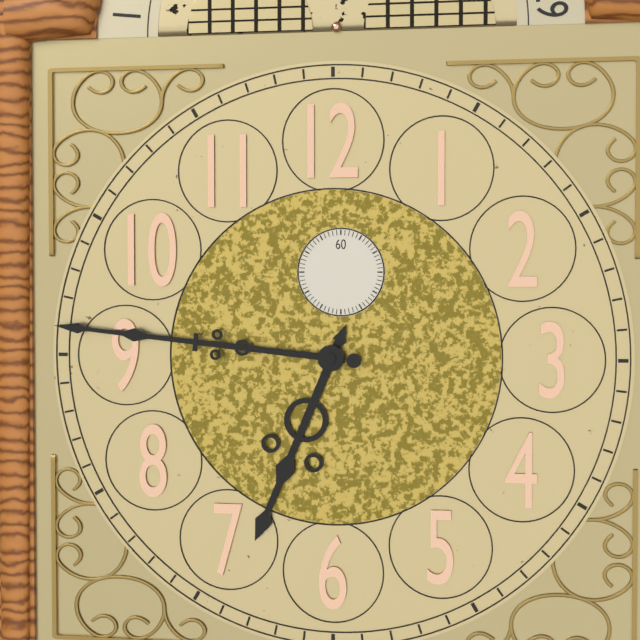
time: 6:46
